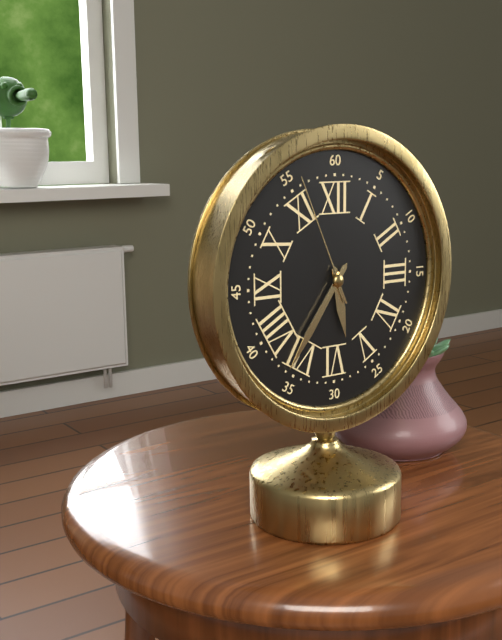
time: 5:36:56
